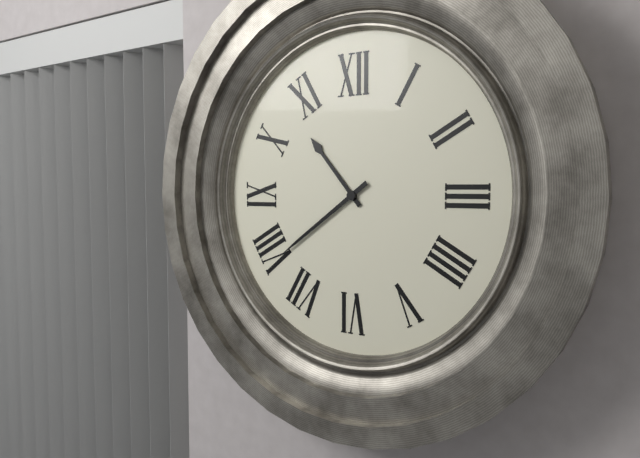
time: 10:39
